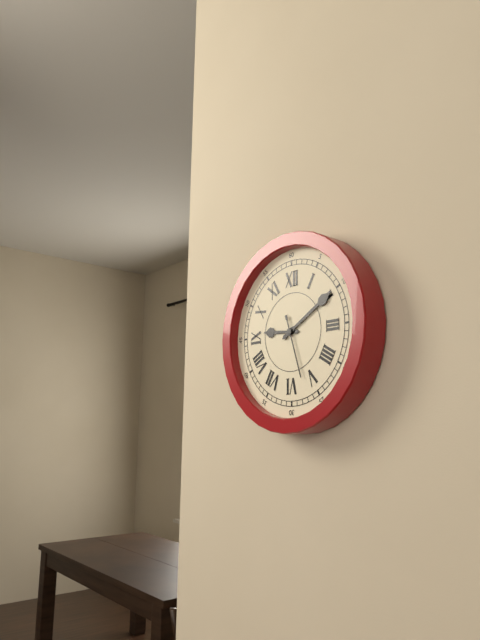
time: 9:10:27
